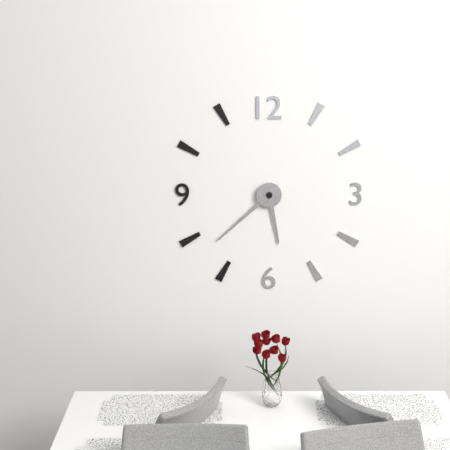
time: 5:38
